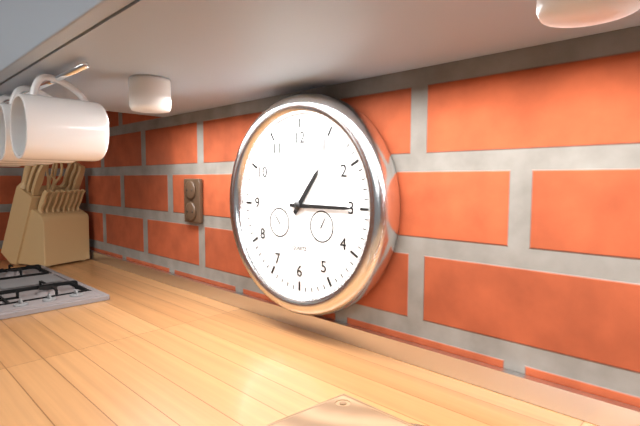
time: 1:15
